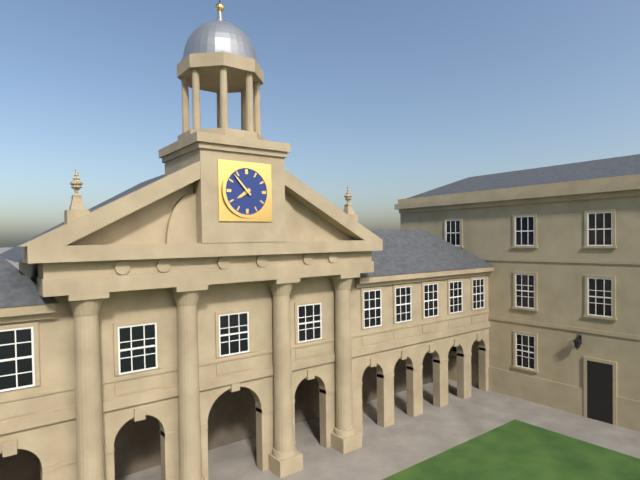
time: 7:53
